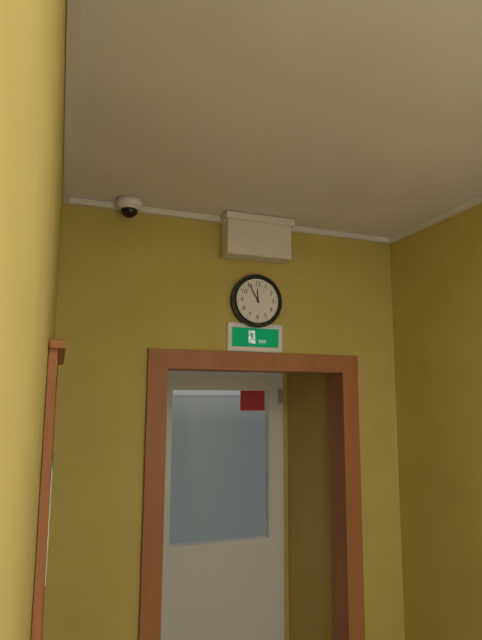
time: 11:55
